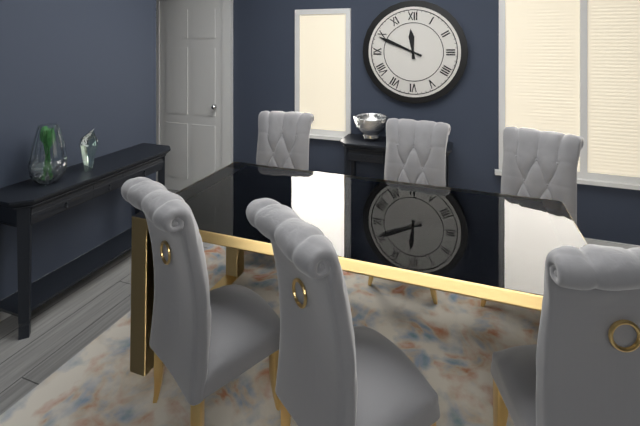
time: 11:49
